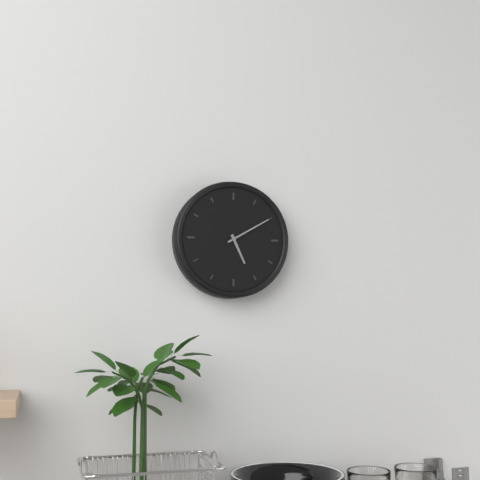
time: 5:10
